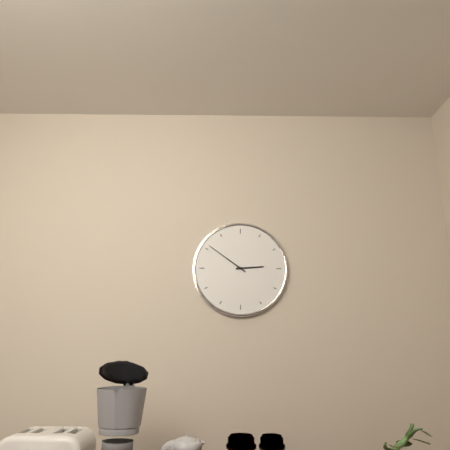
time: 2:51
